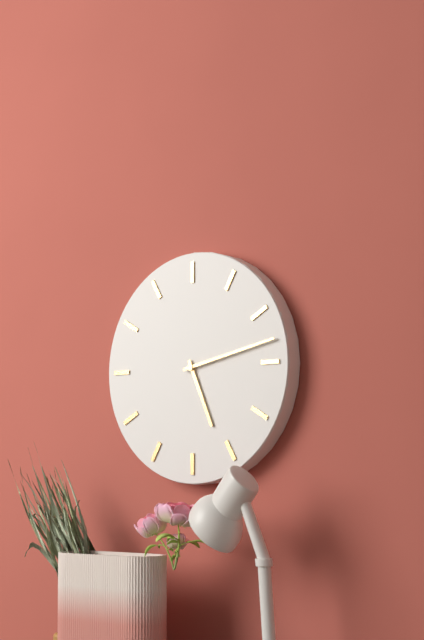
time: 5:13
